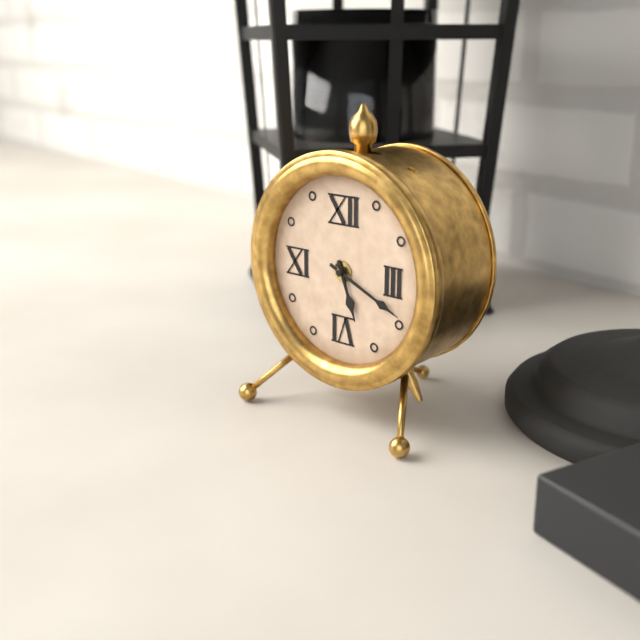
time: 5:19
